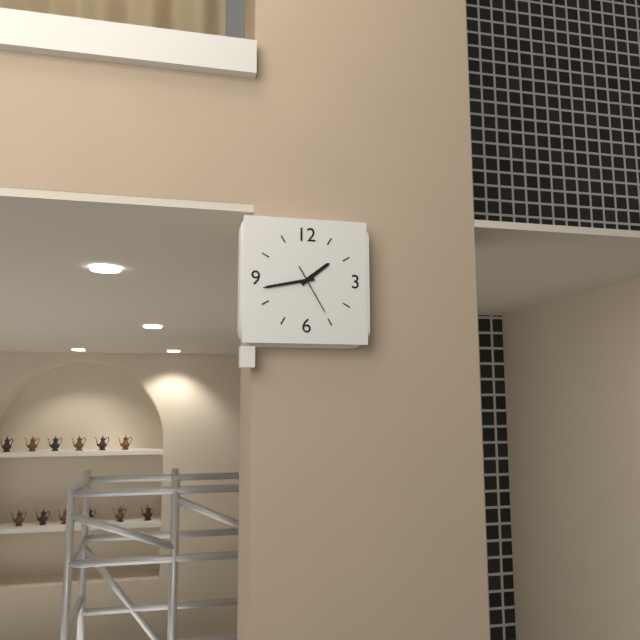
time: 1:43
